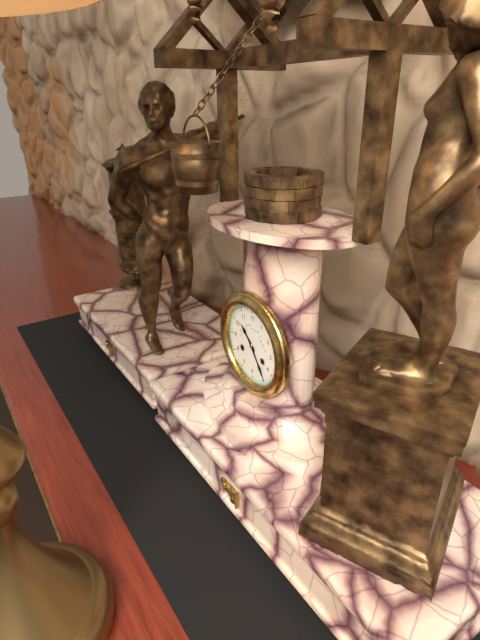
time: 10:24
